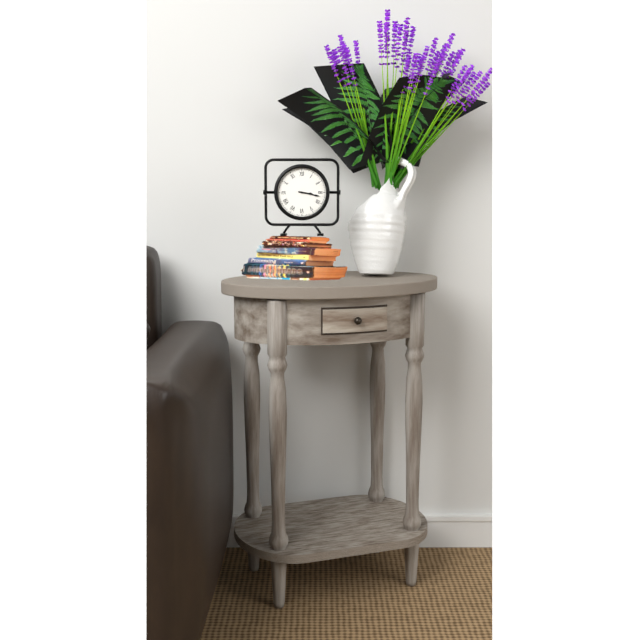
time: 3:17
